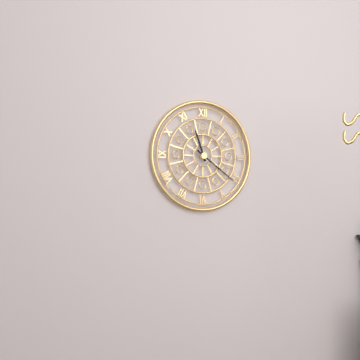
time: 11:21
